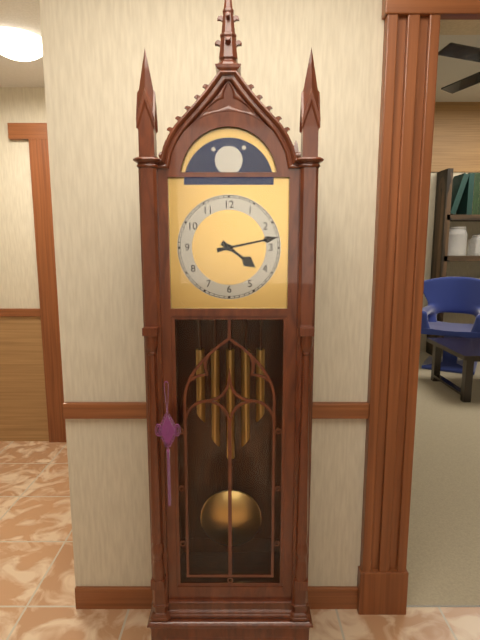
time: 4:13
